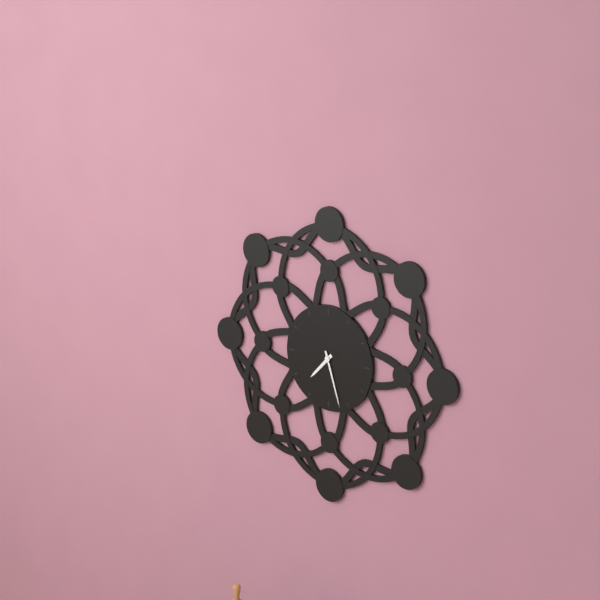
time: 7:27
